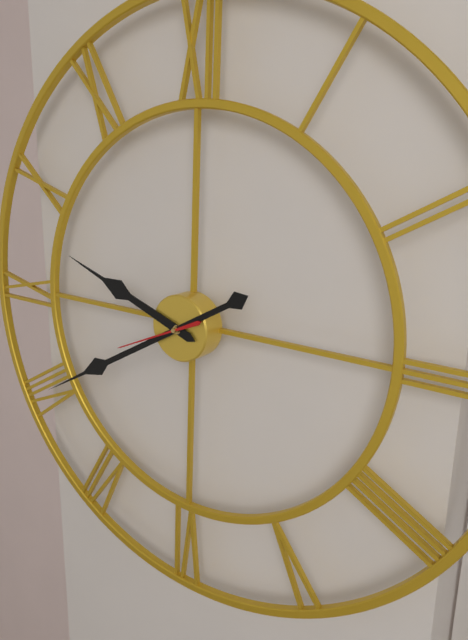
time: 9:40:41
